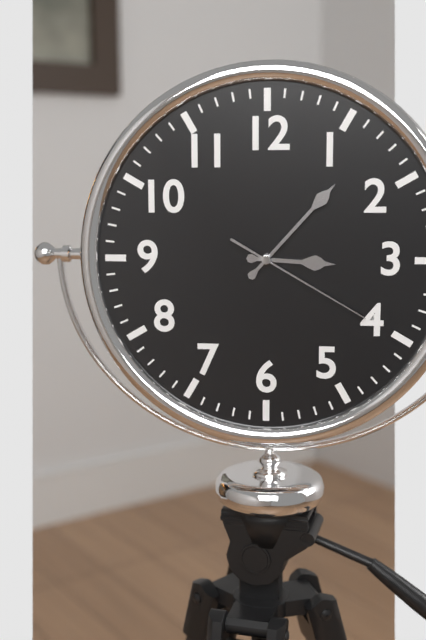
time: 3:07:20
